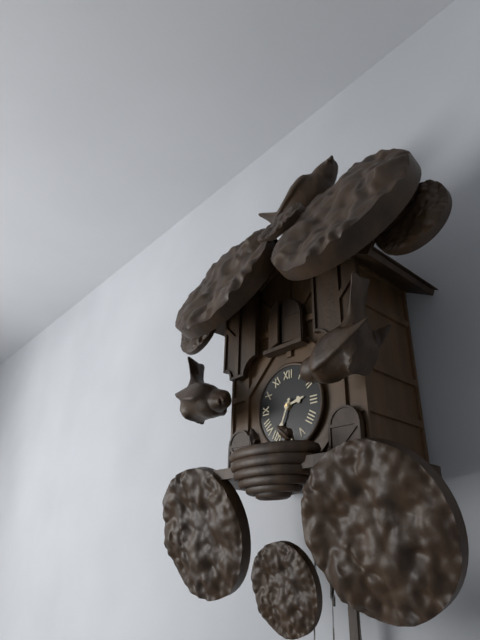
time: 2:34
